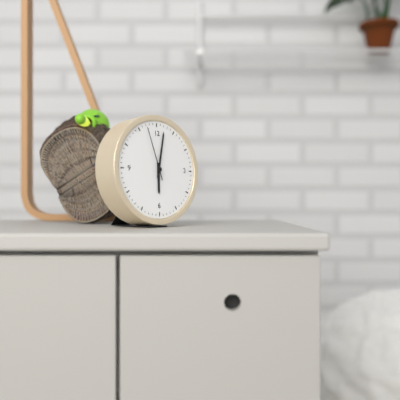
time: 6:02:57
